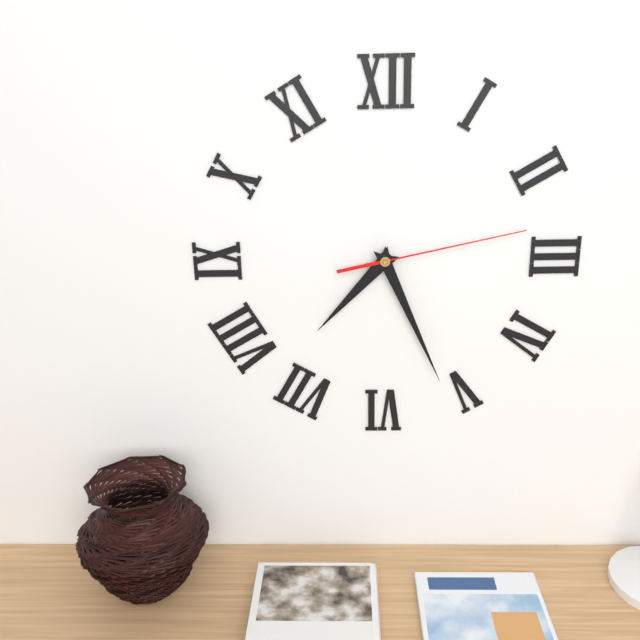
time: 7:26:13
